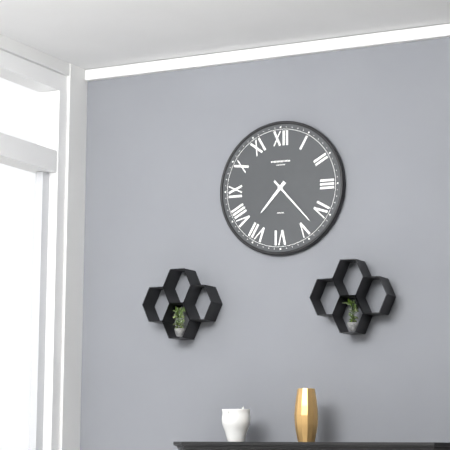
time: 7:23
